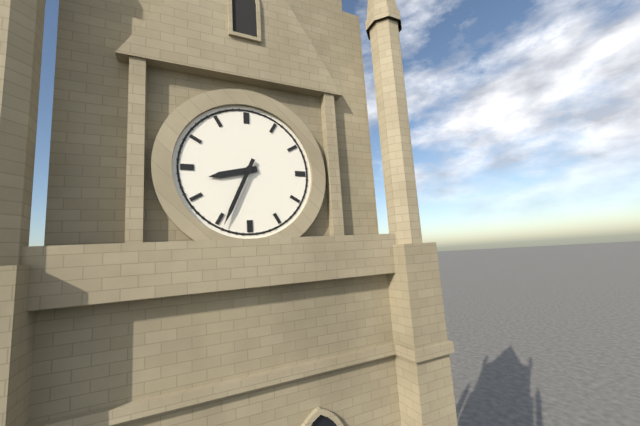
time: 8:34
